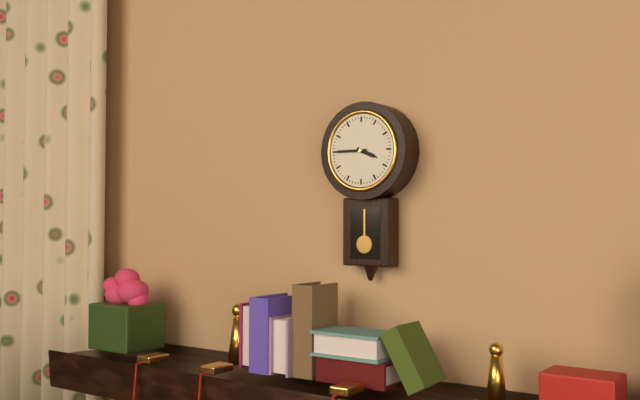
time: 3:45
